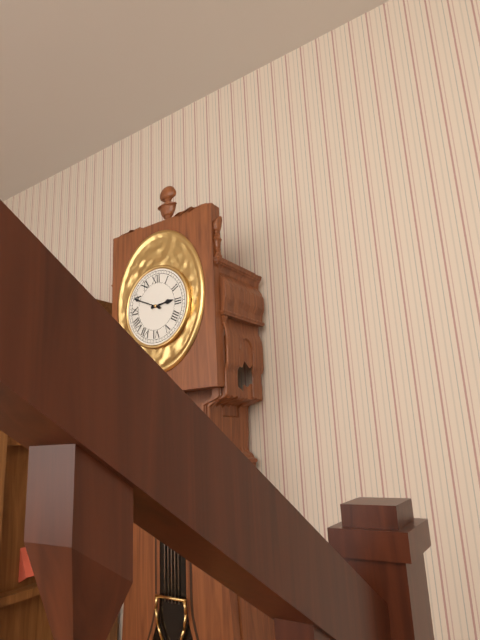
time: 2:49
